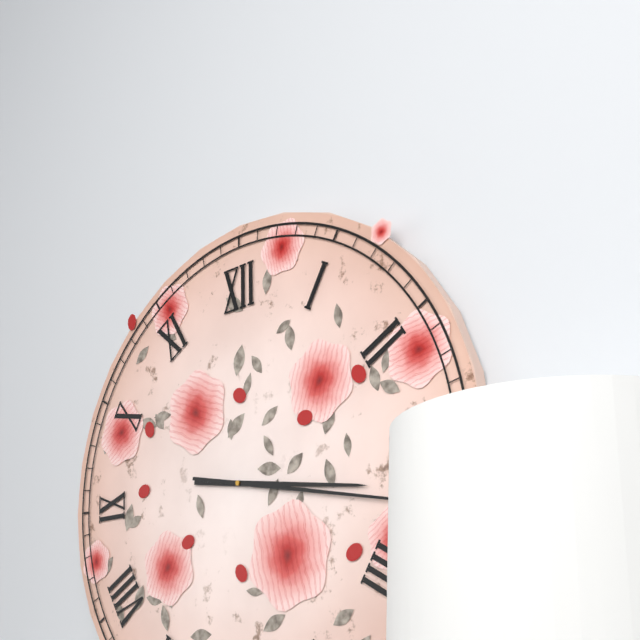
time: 3:17
